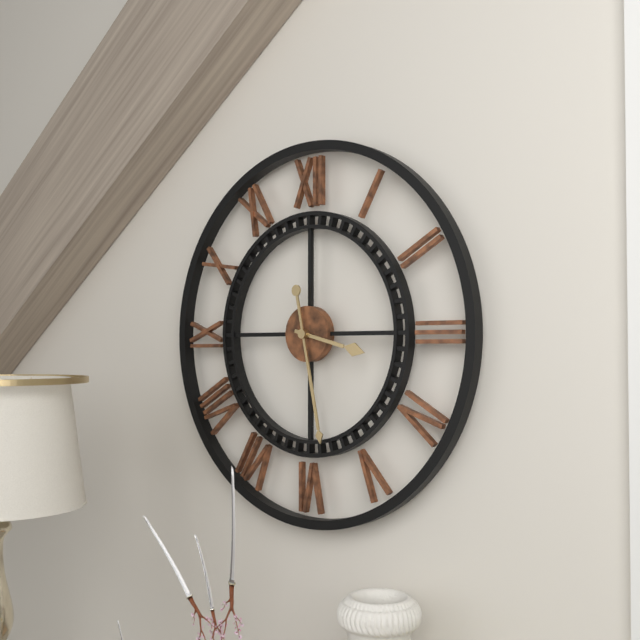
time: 3:28
